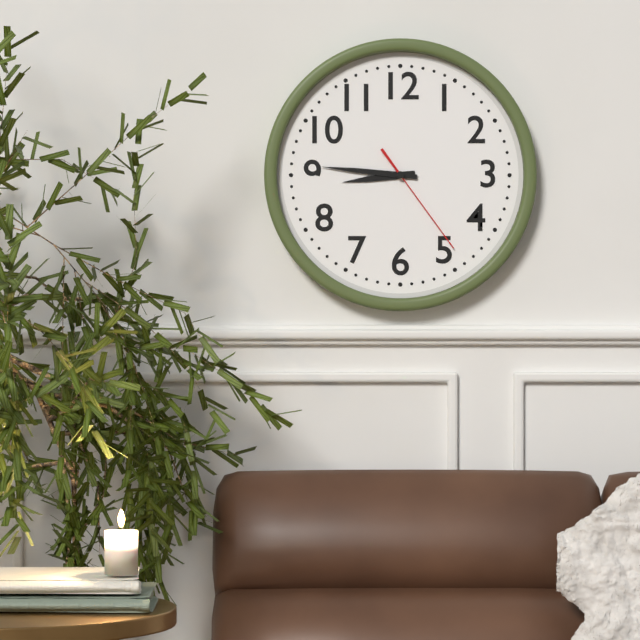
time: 8:46:24
